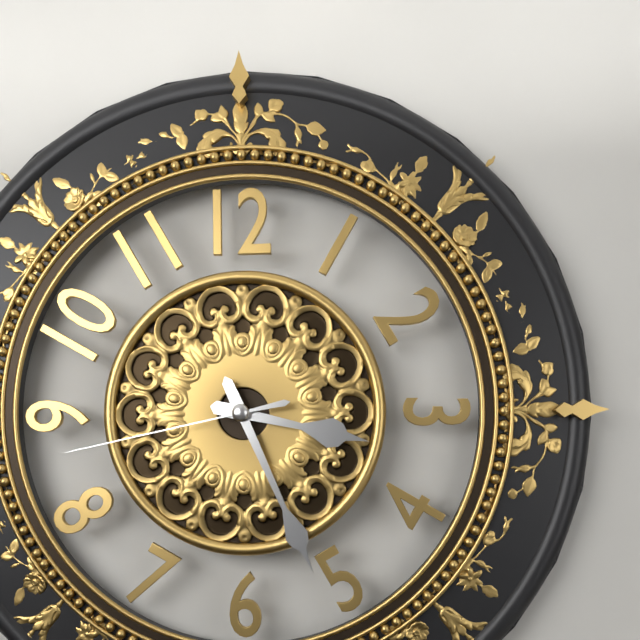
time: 3:26:43
